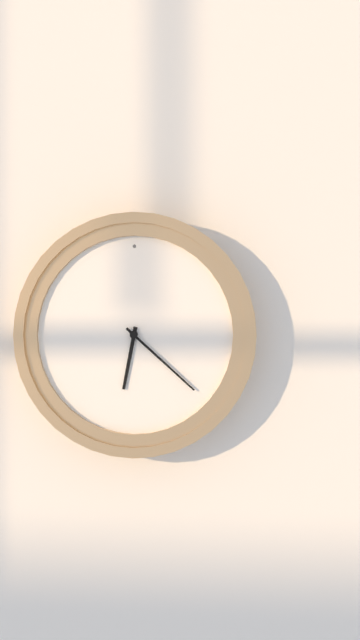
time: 6:22
